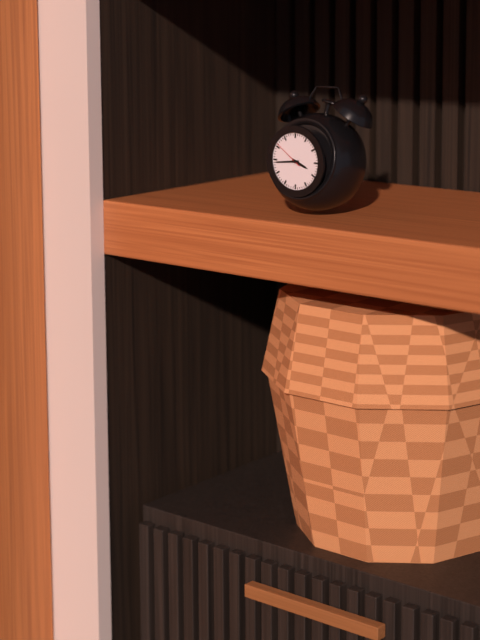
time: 3:44:51
